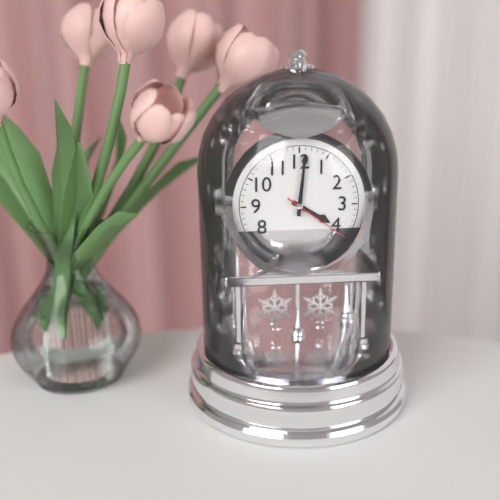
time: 4:01:21
